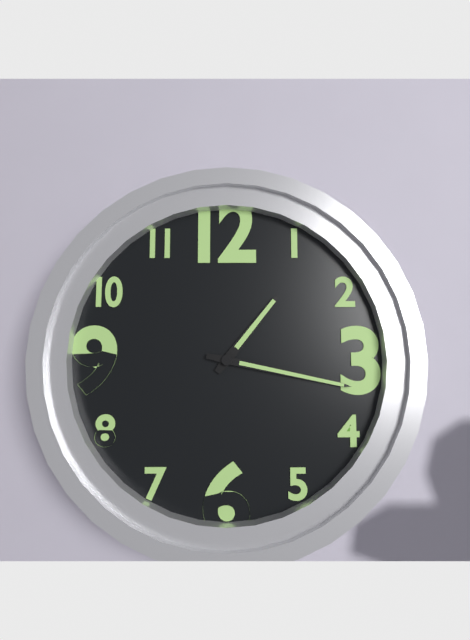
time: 1:17
